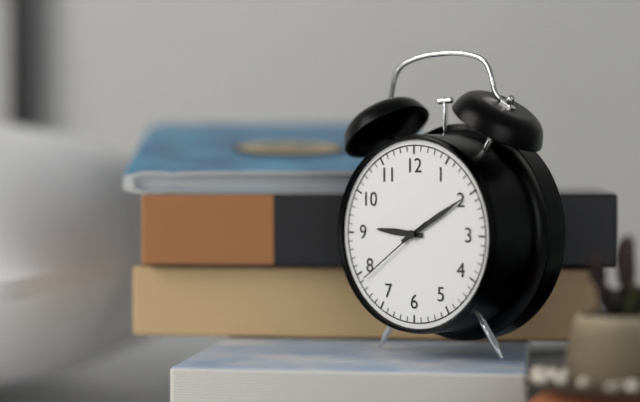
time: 9:10:39
